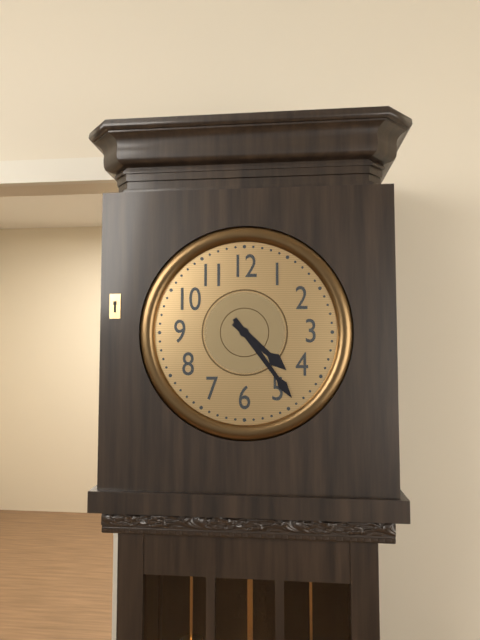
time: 4:24
